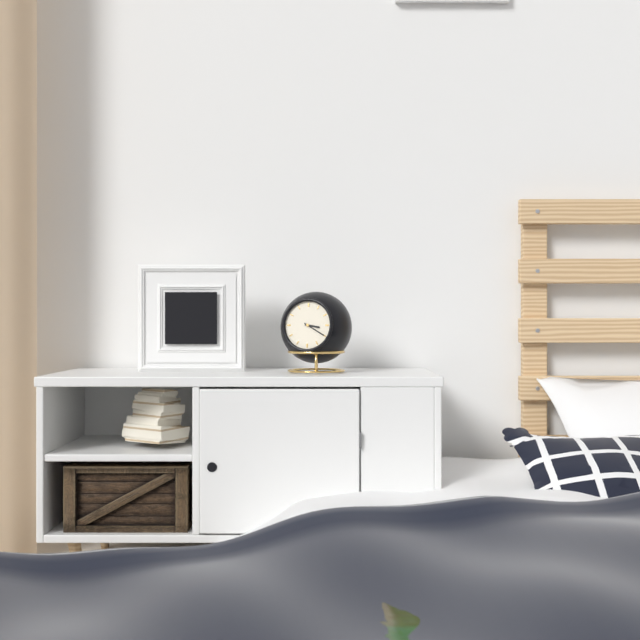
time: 3:20
